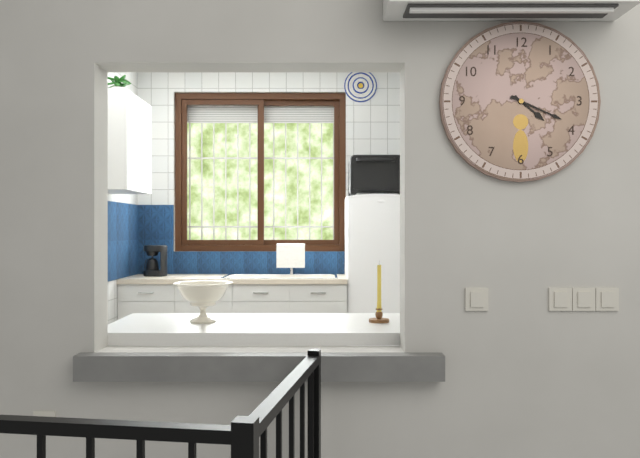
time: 4:19
